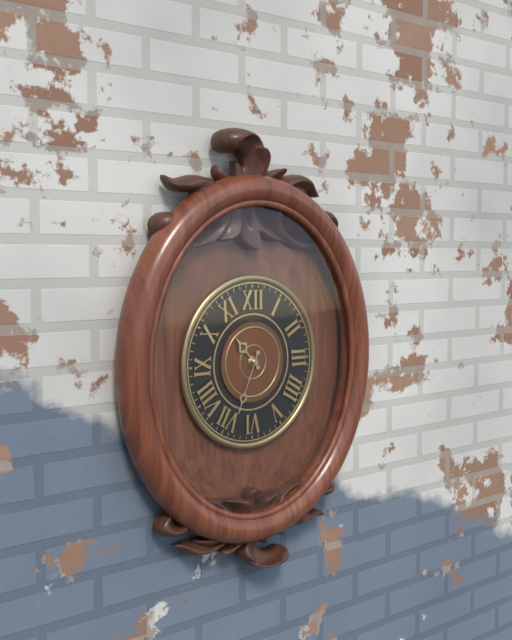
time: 10:34
